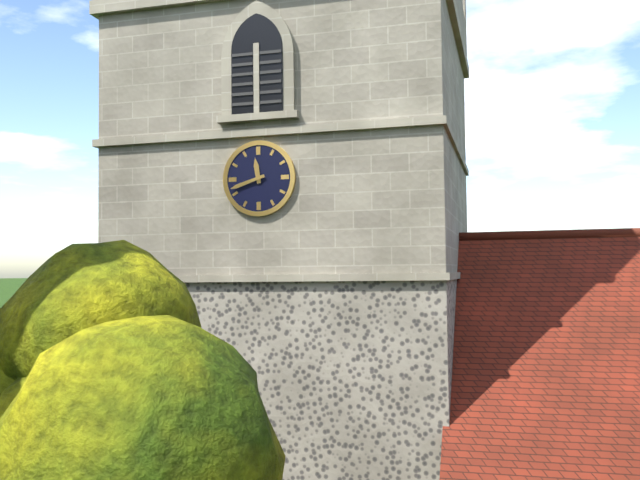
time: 11:42
